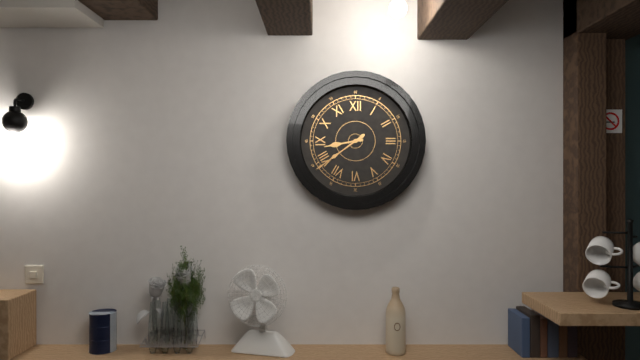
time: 8:39
